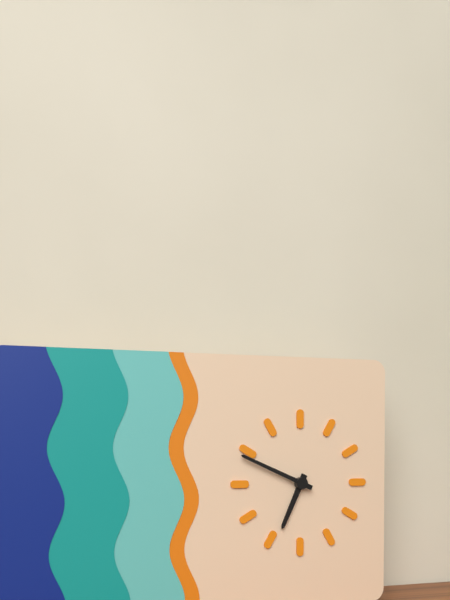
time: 6:49
